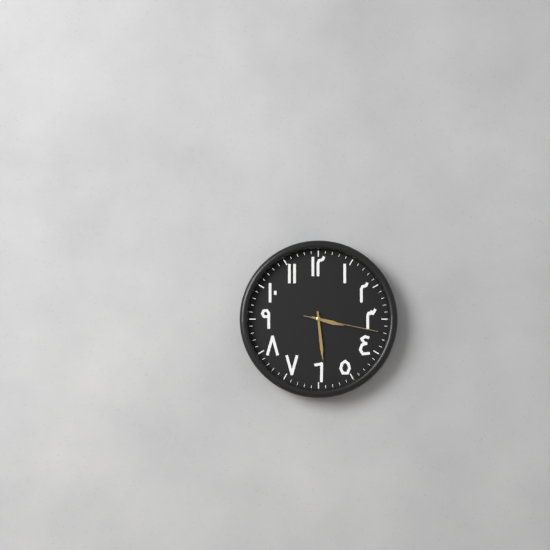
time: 3:29:17
